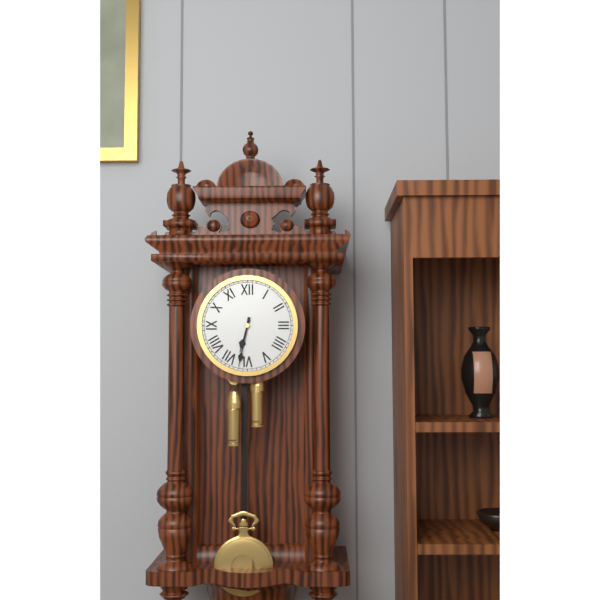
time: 6:32
